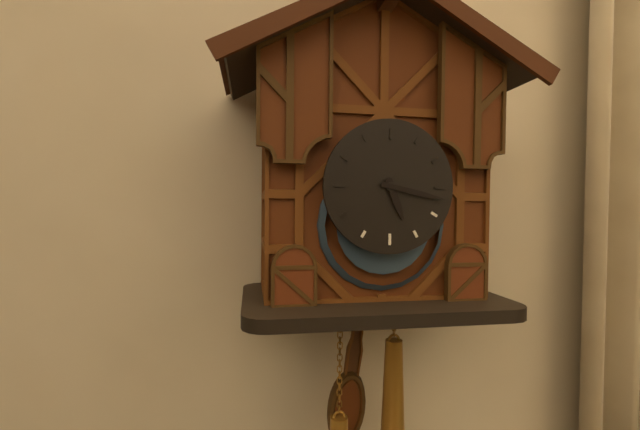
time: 5:17
